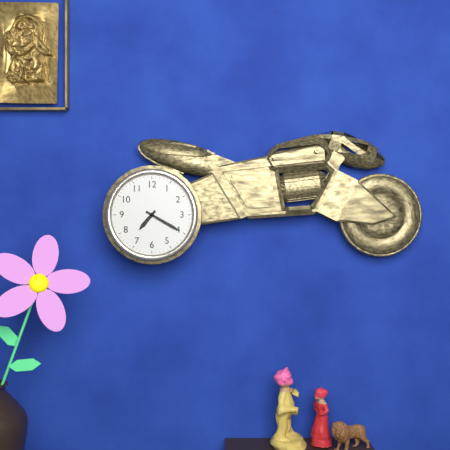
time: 7:20
